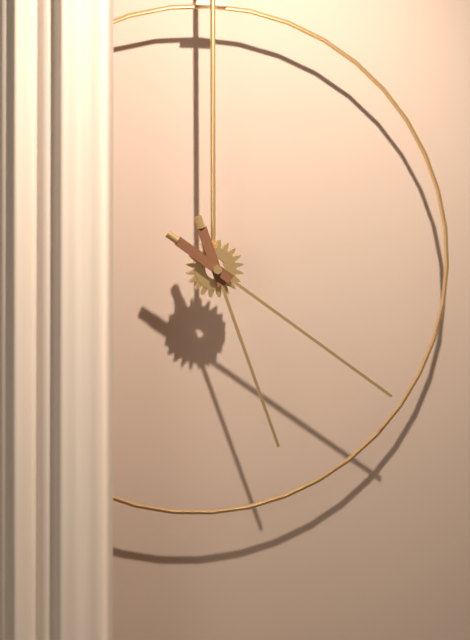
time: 5:21
